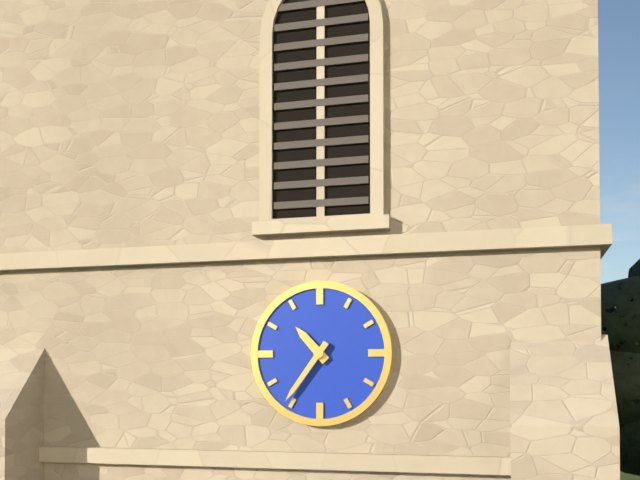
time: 10:36
